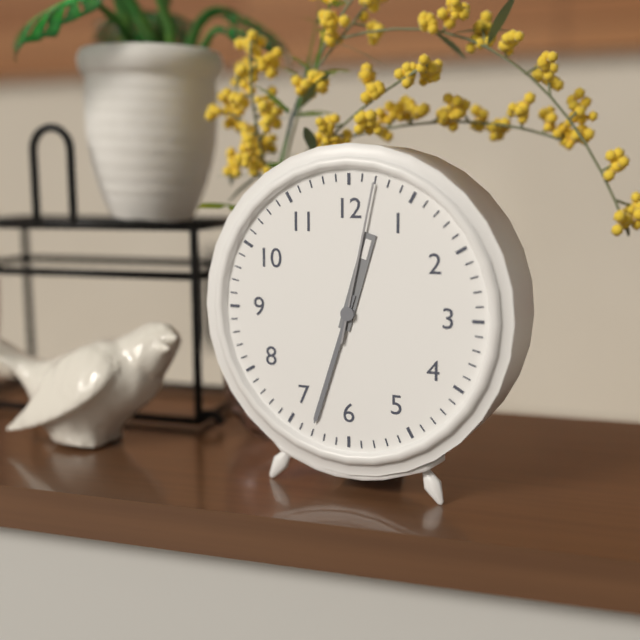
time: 12:33:02
